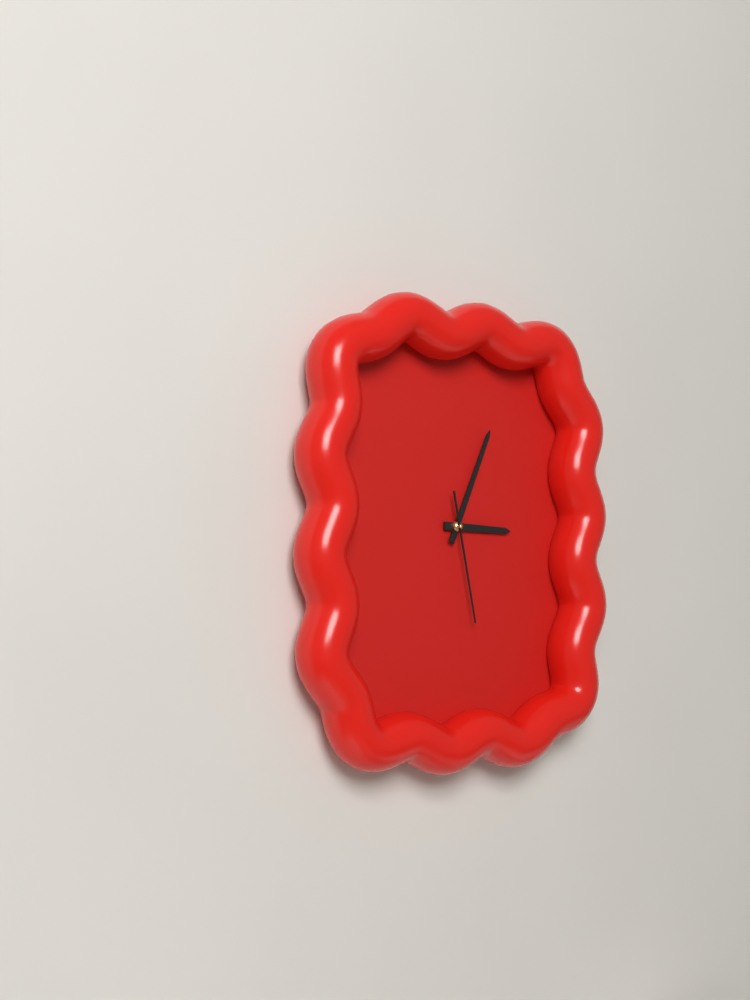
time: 3:04:28
